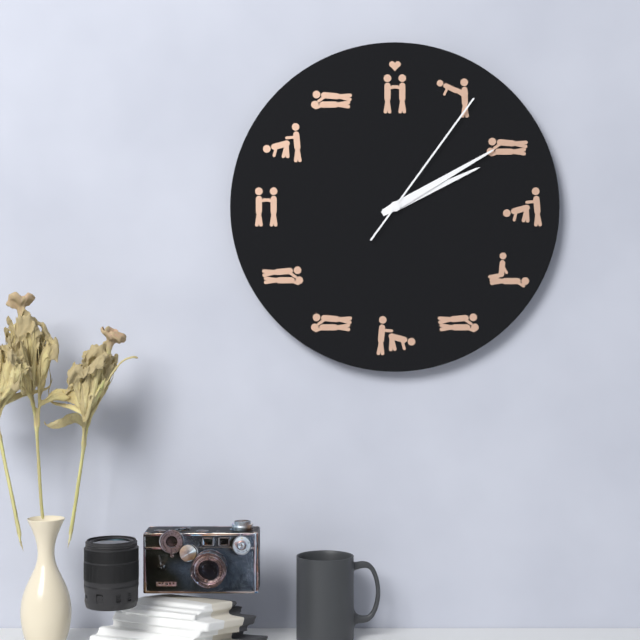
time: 2:10:06
